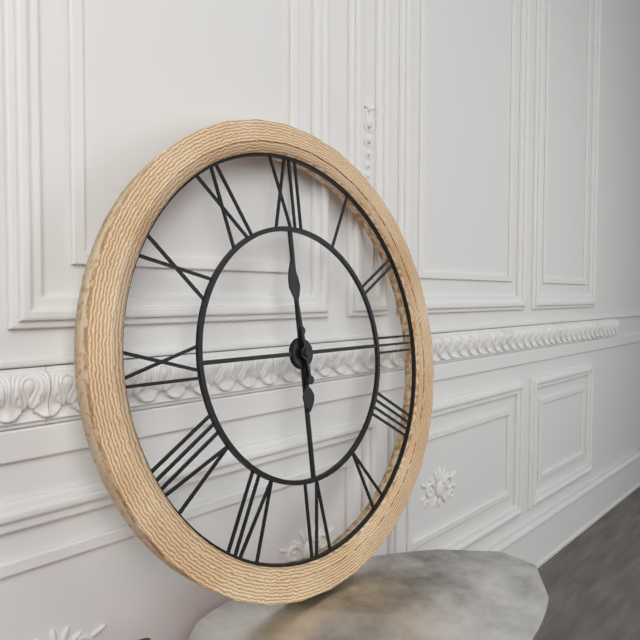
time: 5:59
